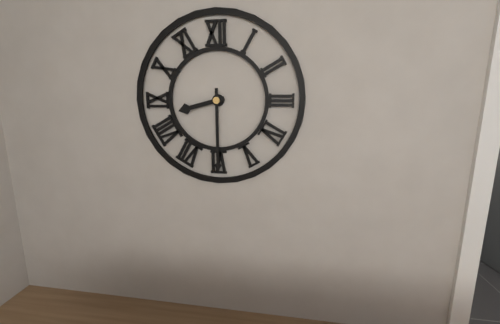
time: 8:30
